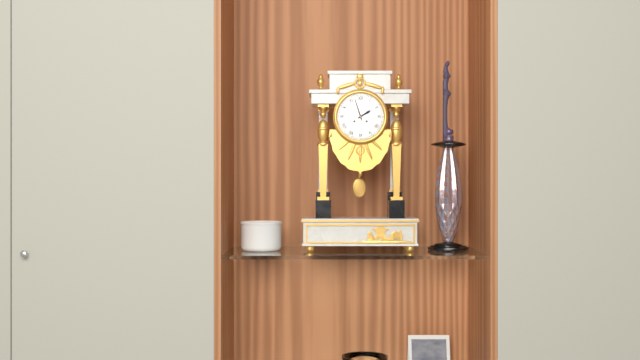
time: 1:57
